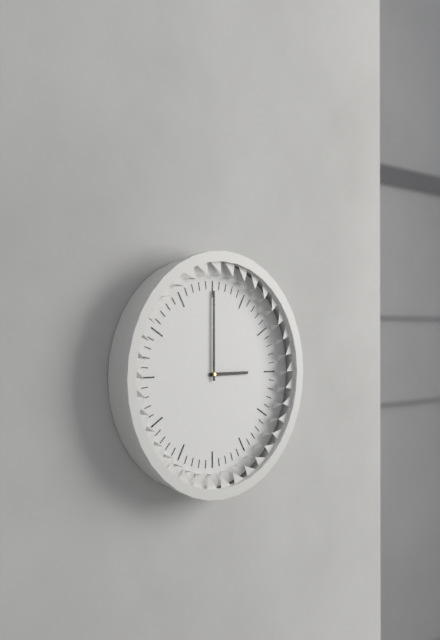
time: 3:00
